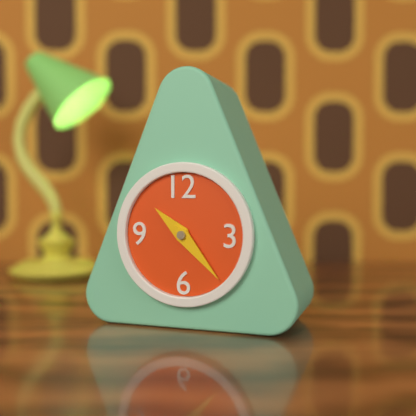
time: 10:23
